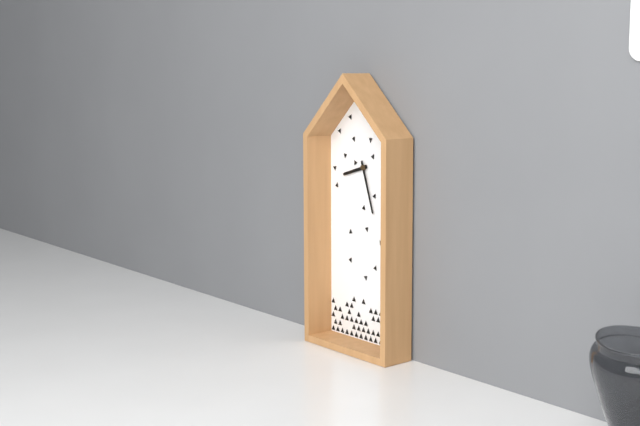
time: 8:27
